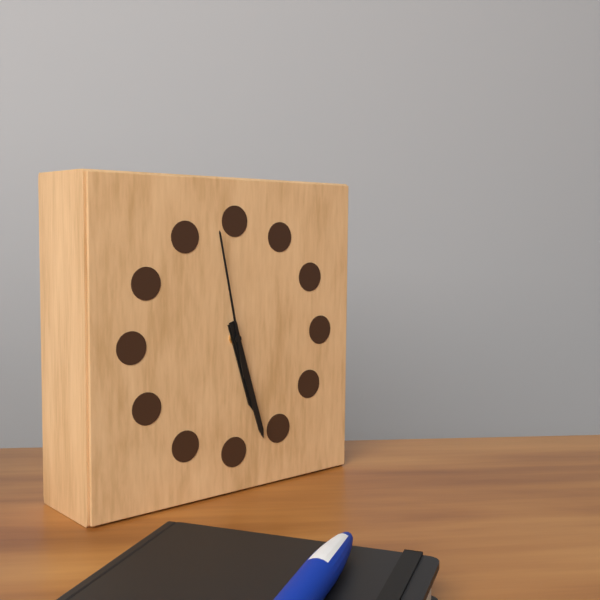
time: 5:27:58
